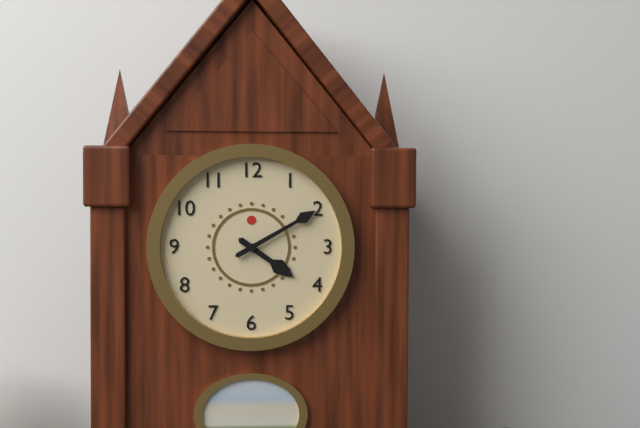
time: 4:10
